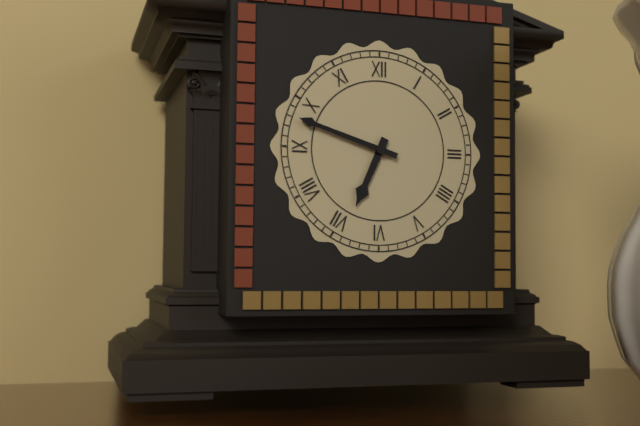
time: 6:48
